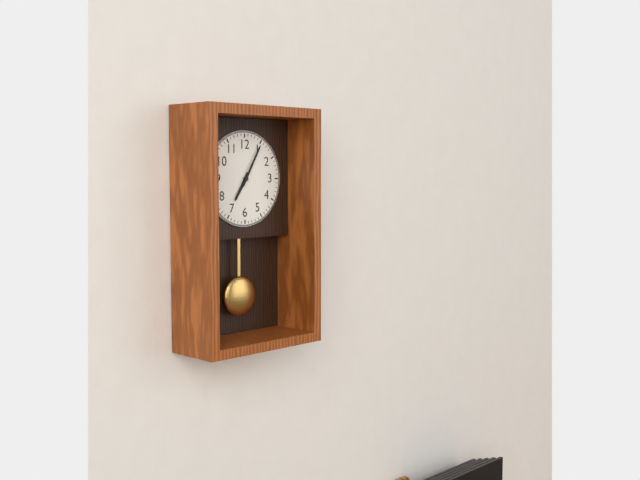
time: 7:05
